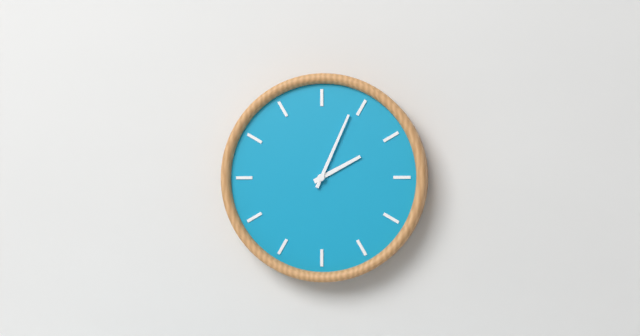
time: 2:04
